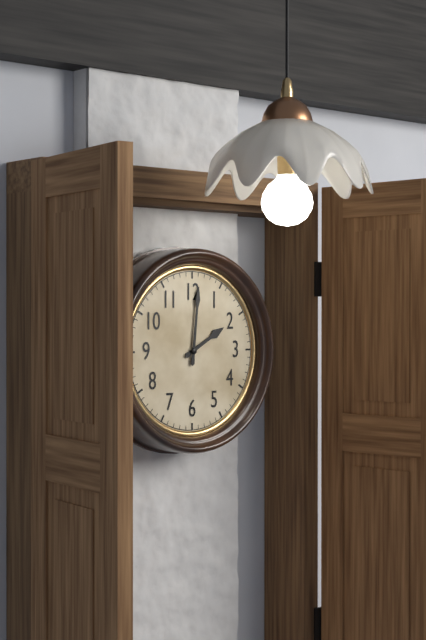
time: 2:01
